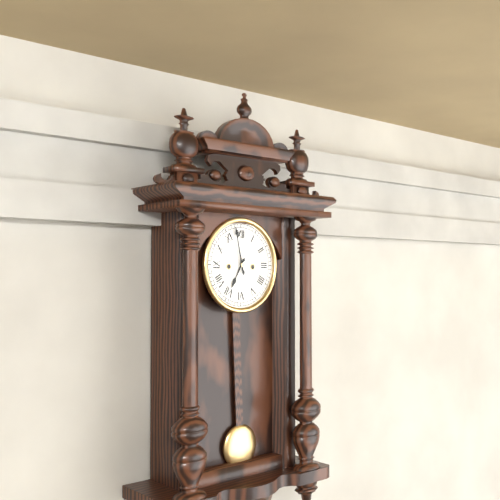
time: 6:58
